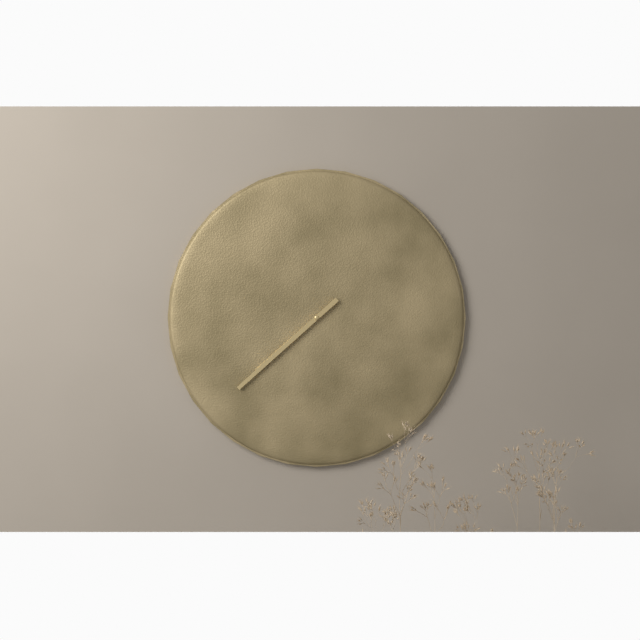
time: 7:38
